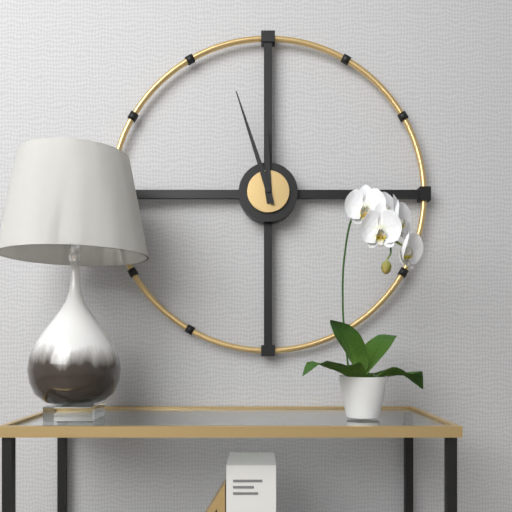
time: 11:57
